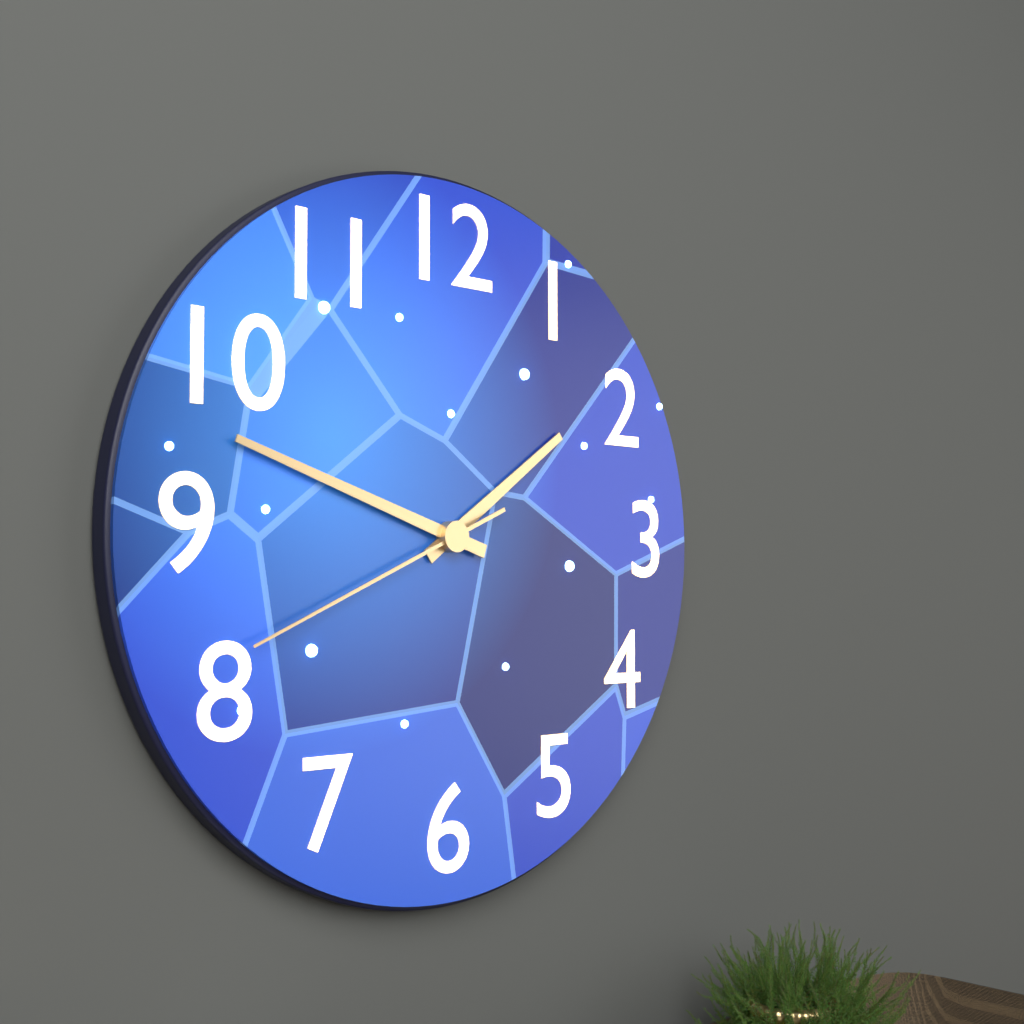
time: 1:48:41
